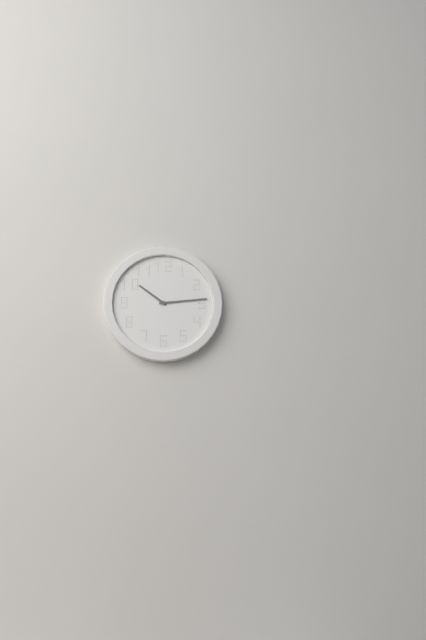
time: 10:14
